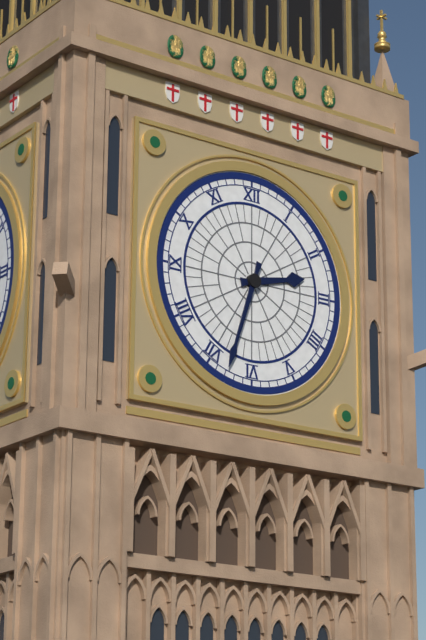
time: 2:33
